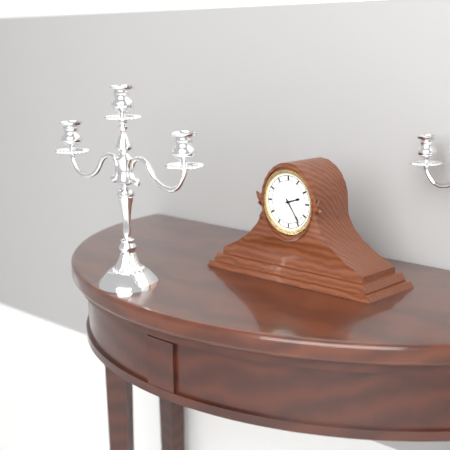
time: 2:24
